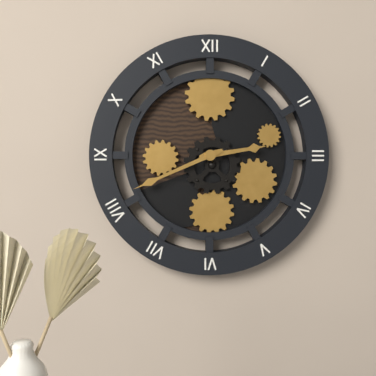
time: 2:41
